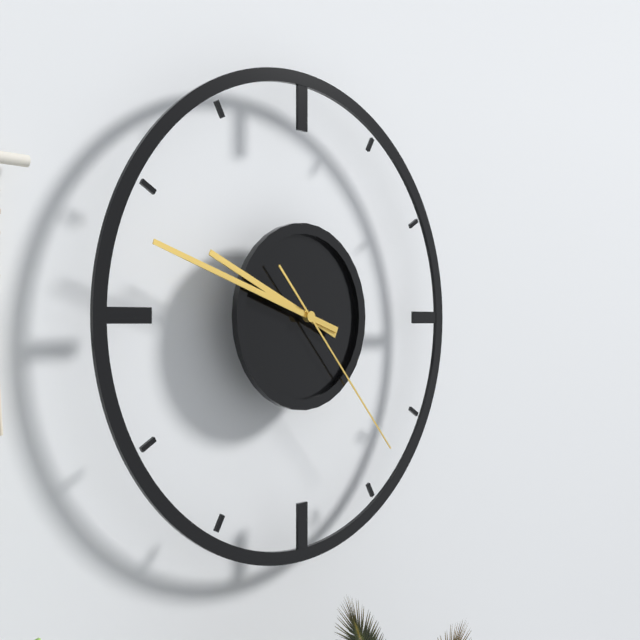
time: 9:48:23
